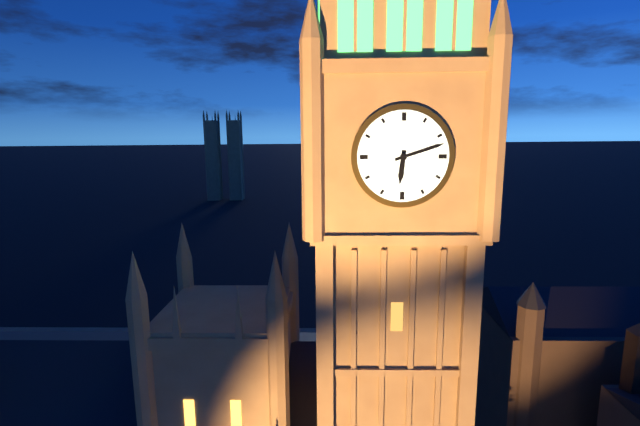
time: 6:12
